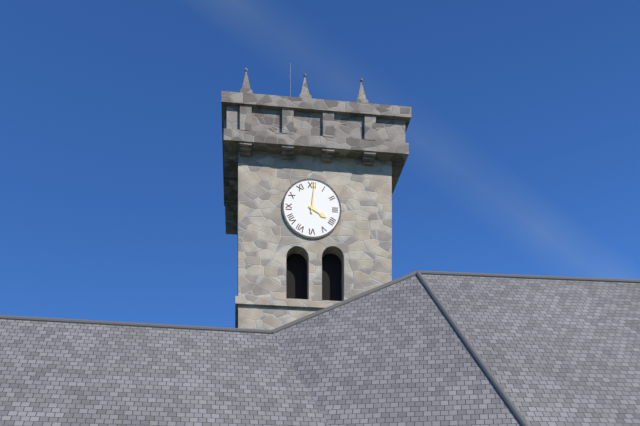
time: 4:01
